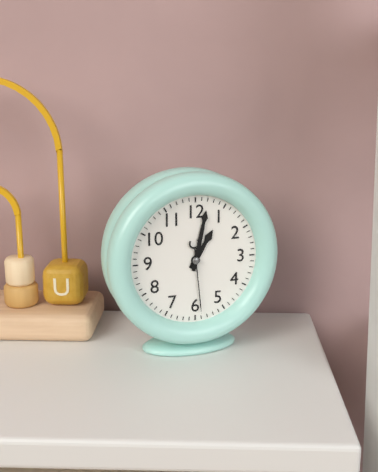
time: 1:02:29
